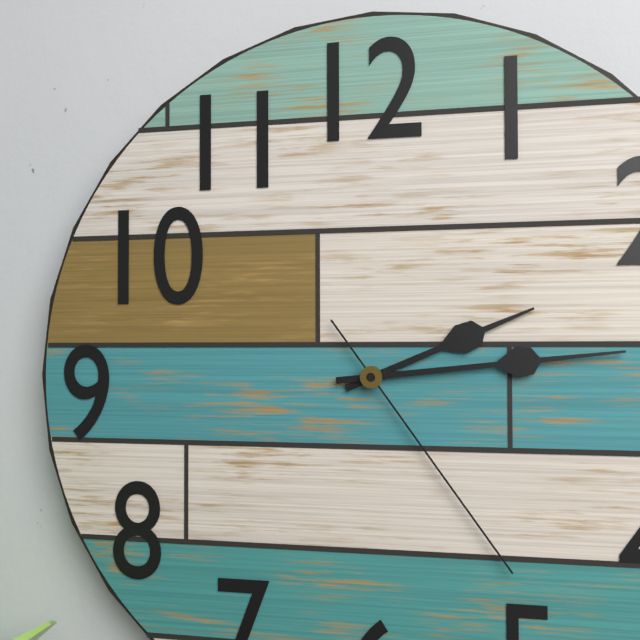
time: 2:14:24
